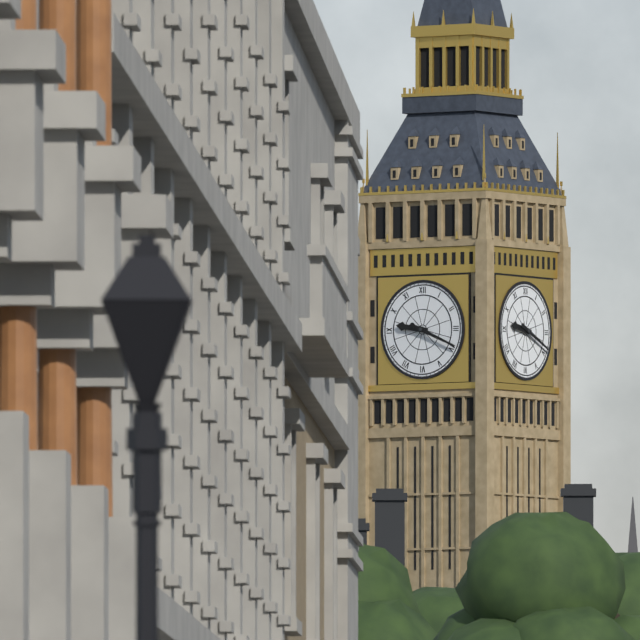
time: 9:19
